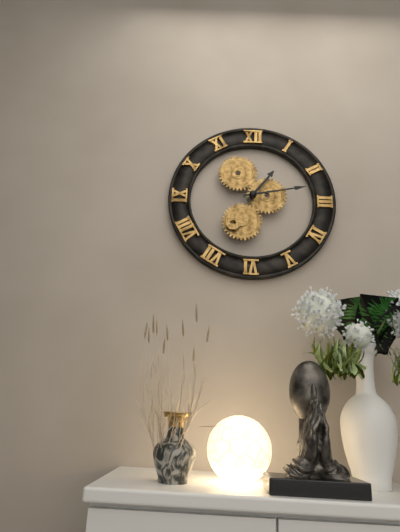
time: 1:13
